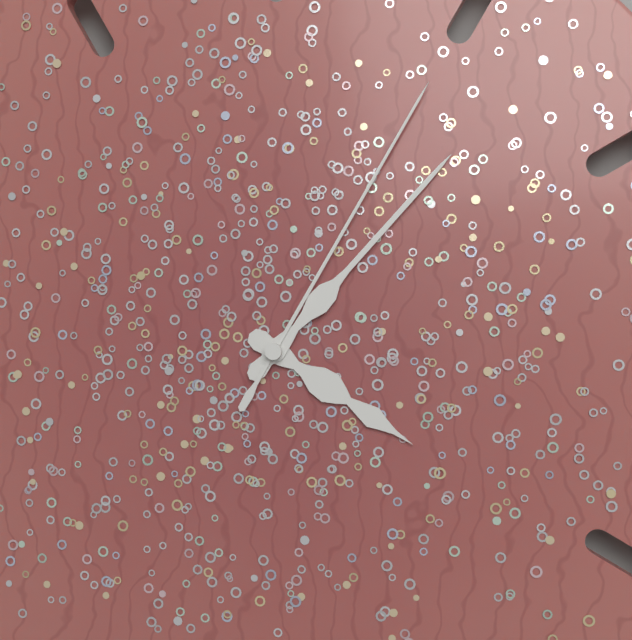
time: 4:07:05
